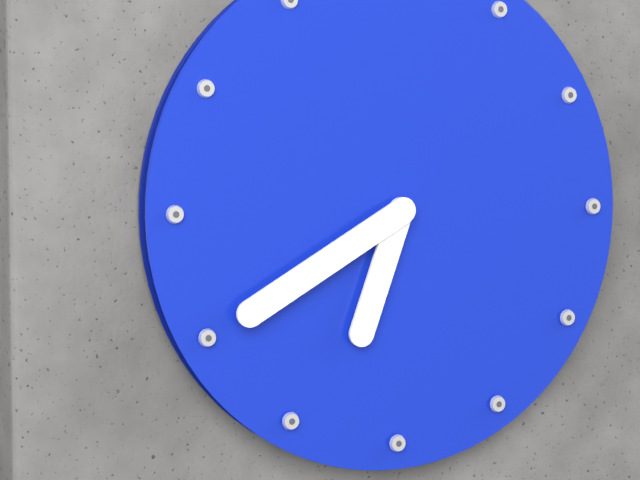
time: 6:40
